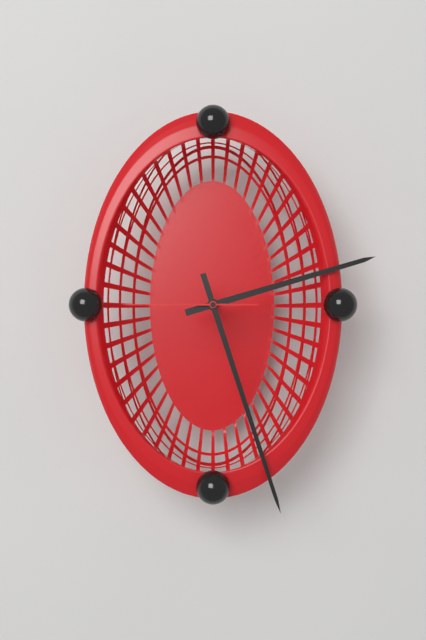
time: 2:27:45
